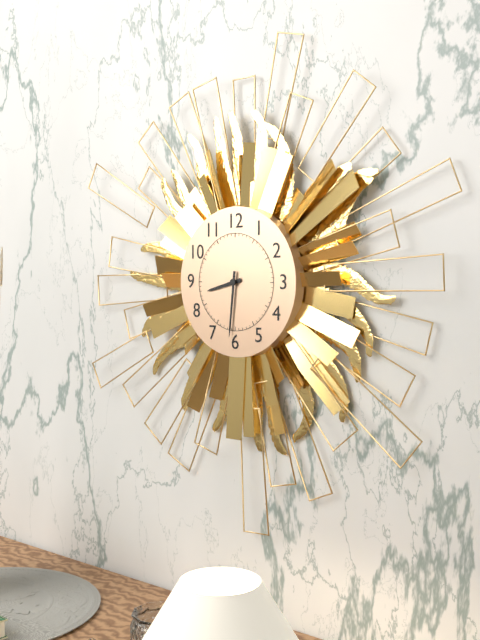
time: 8:31
